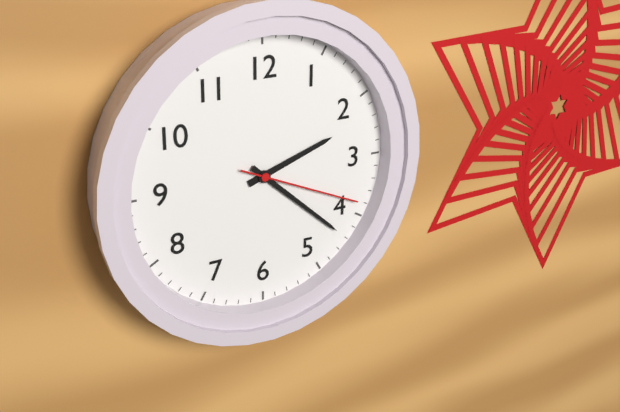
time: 2:22:19
